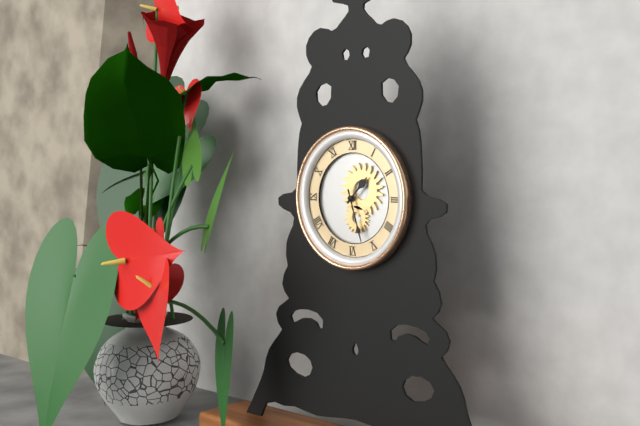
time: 1:27
